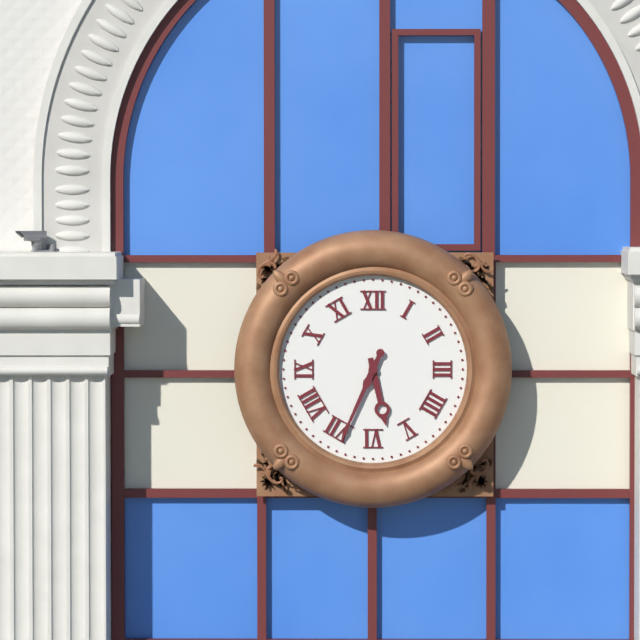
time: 5:34
